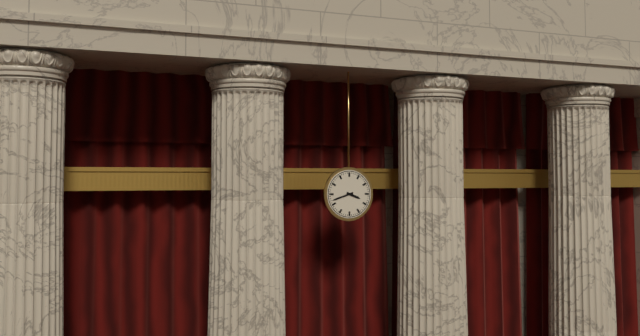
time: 3:42
